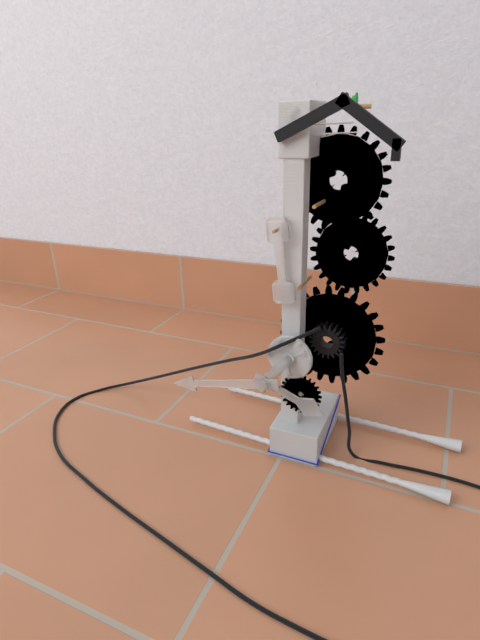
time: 3:43
